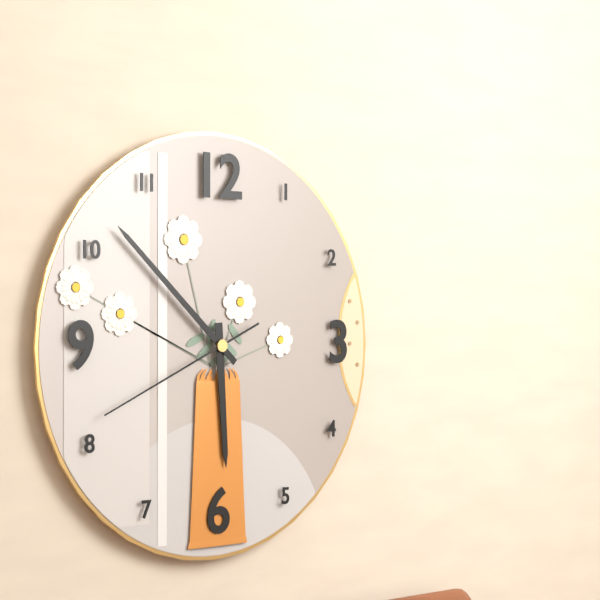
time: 5:52:41
